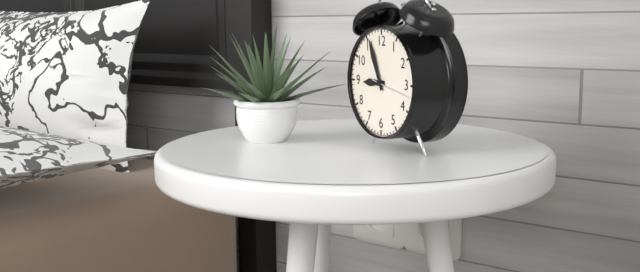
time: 8:56
